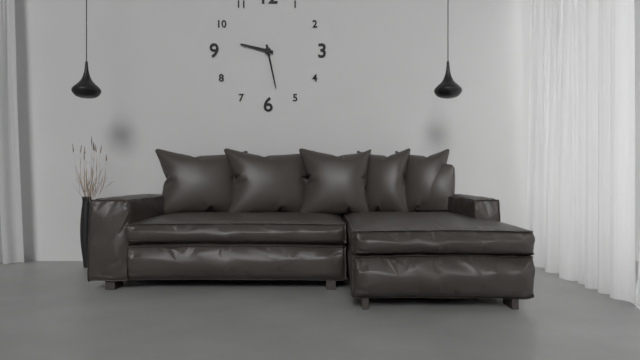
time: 9:28
